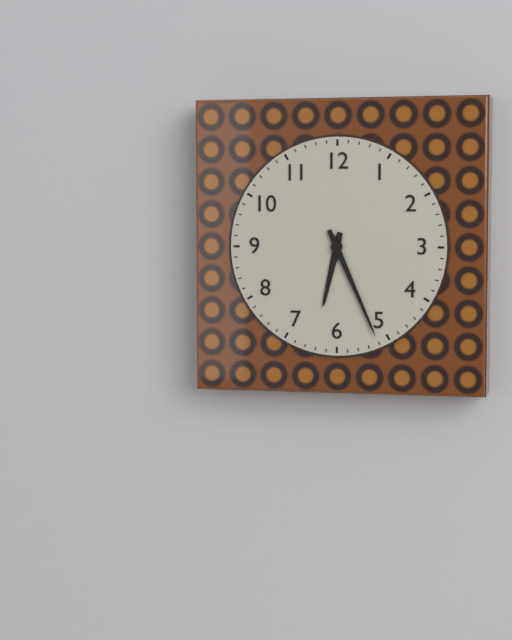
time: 6:26
